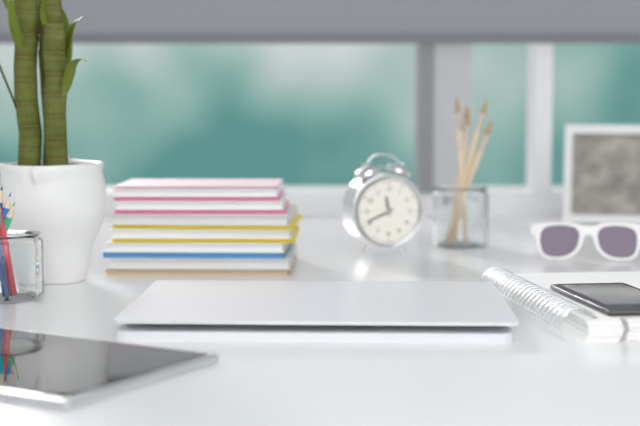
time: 11:41
